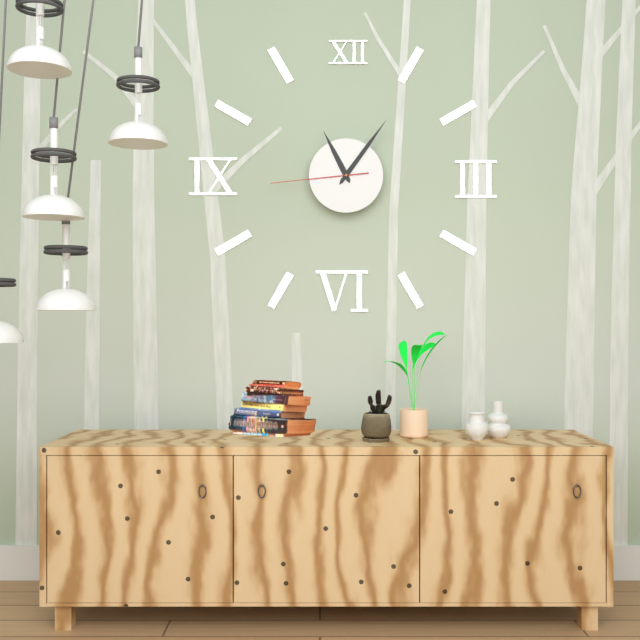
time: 11:06:44
